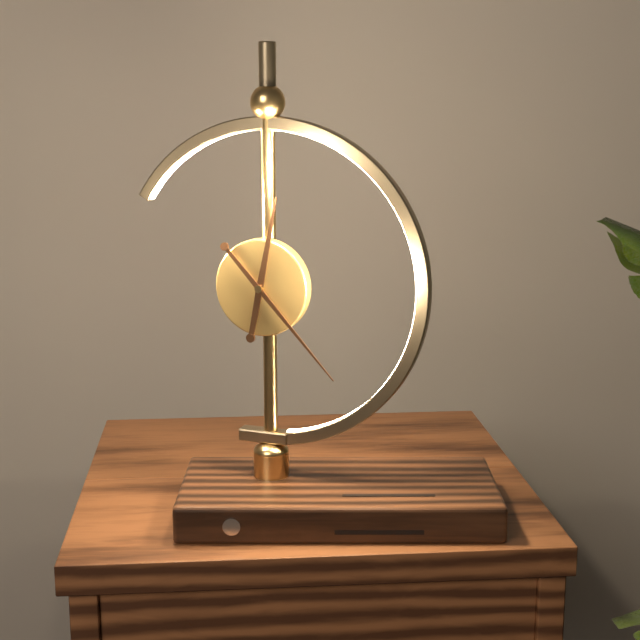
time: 12:23
